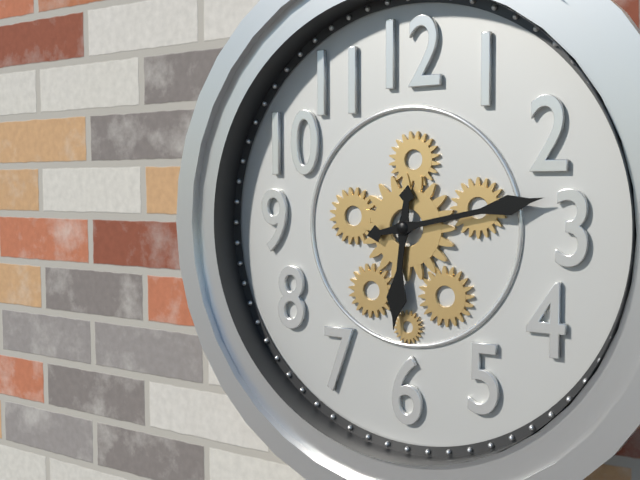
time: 6:13
